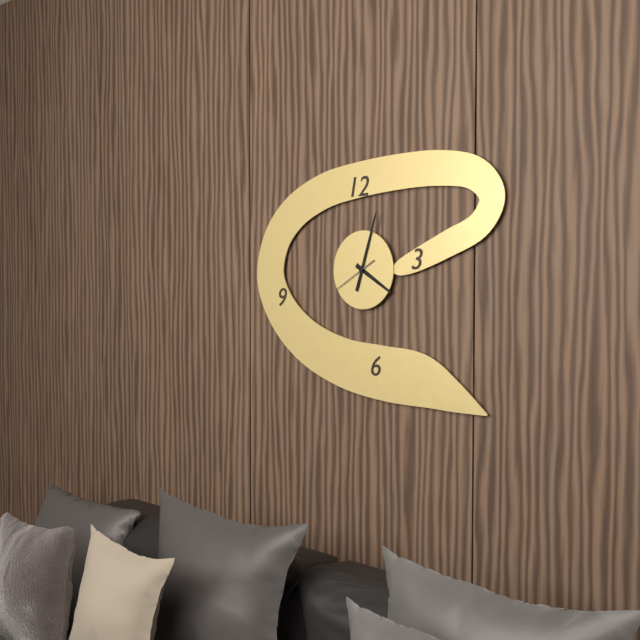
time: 4:03
